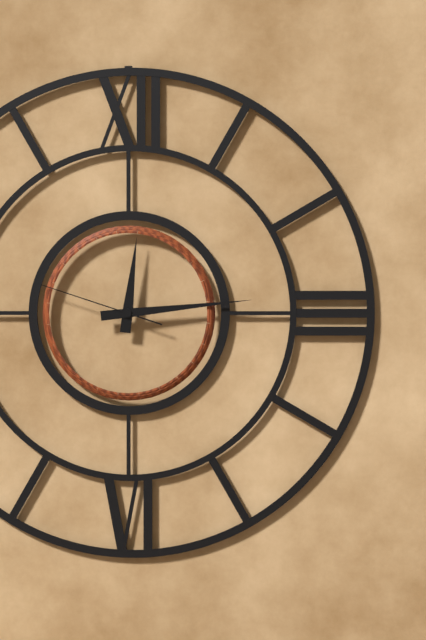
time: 12:14:48
